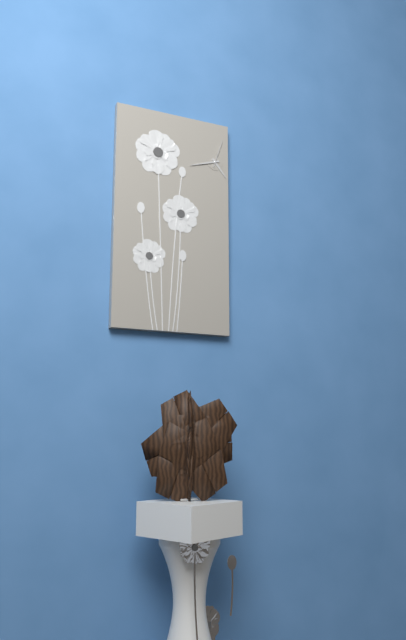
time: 4:42
